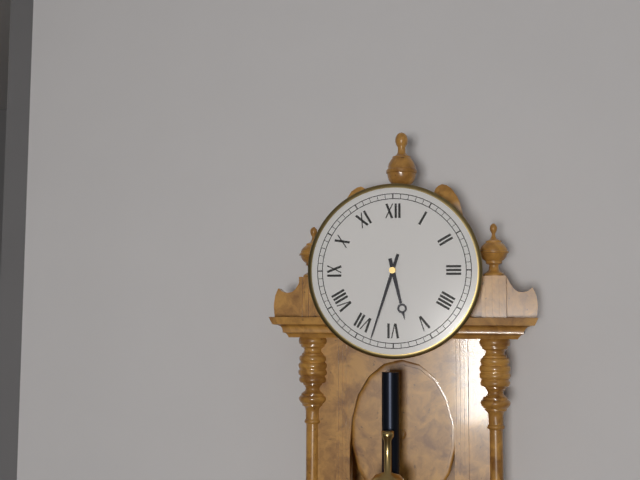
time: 5:33
